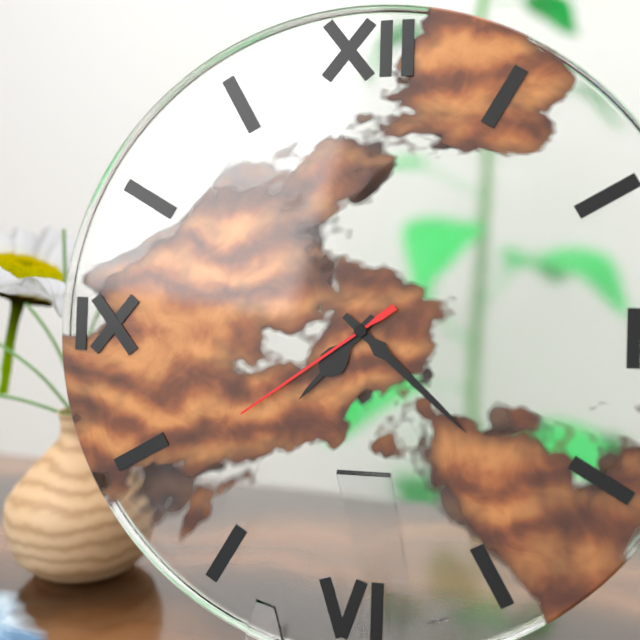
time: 7:22:39
